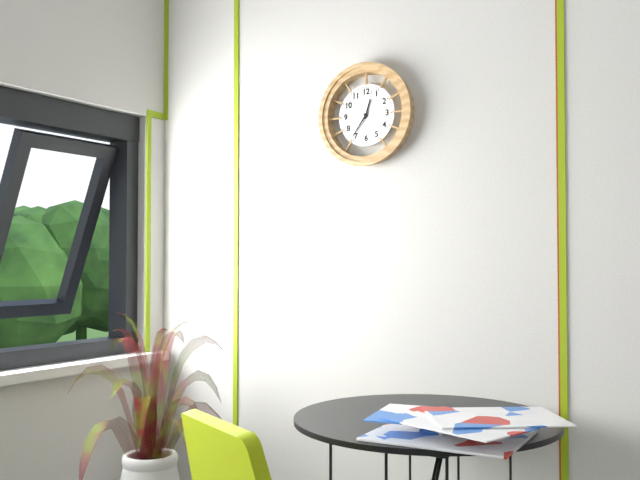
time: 12:36
